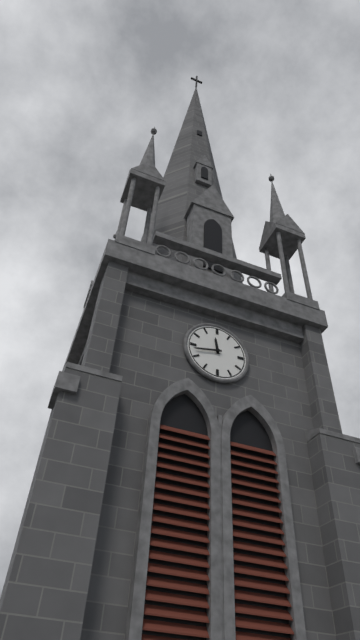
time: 11:43
